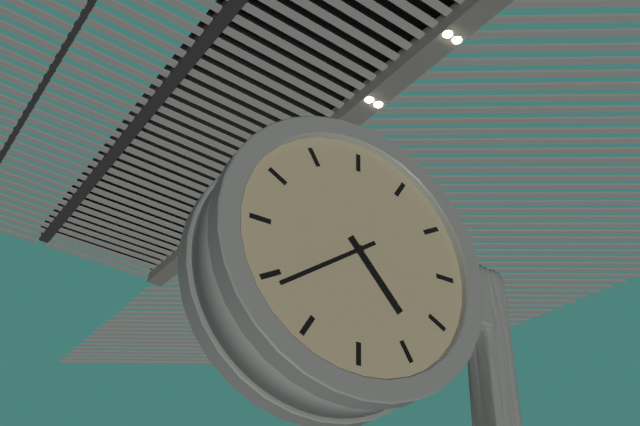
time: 4:39
